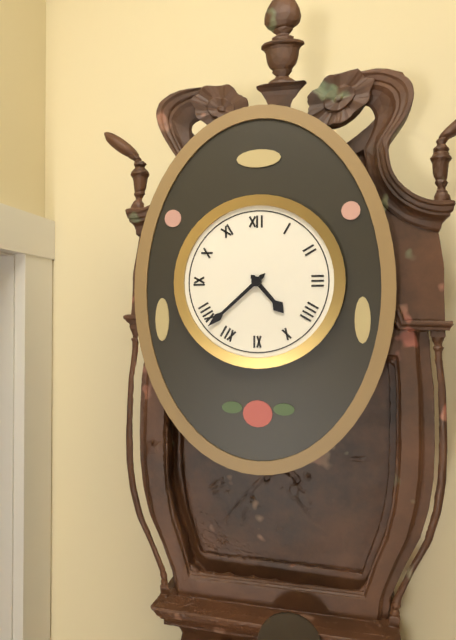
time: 4:38
